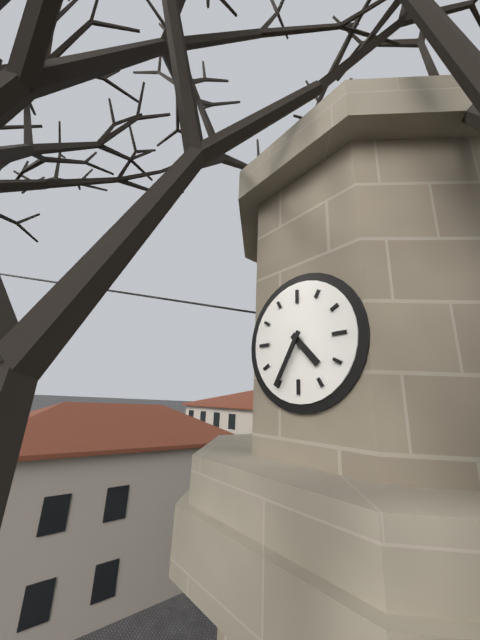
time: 4:35
